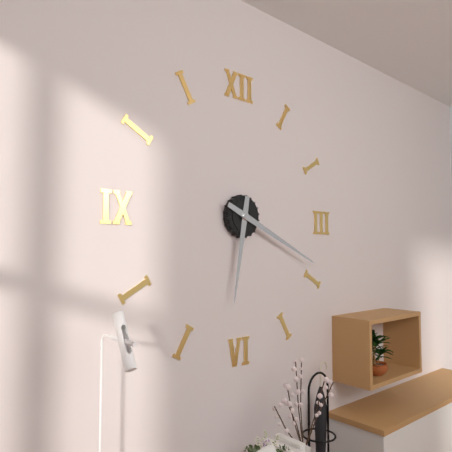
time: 6:19
